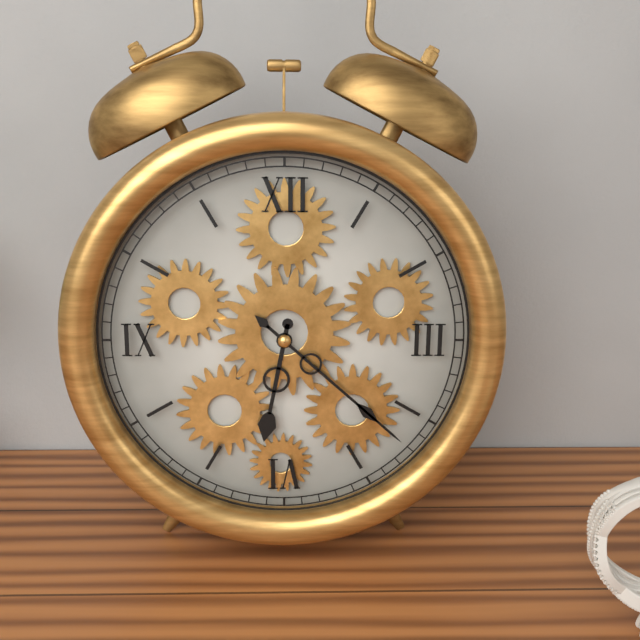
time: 6:22
